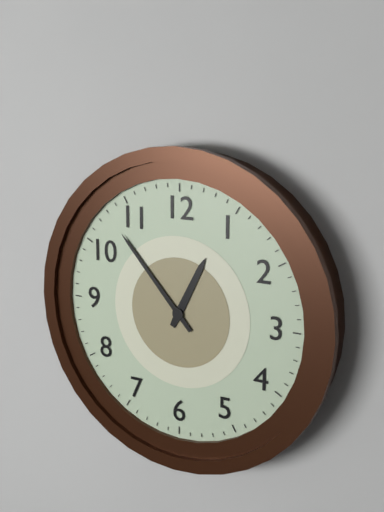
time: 12:53
